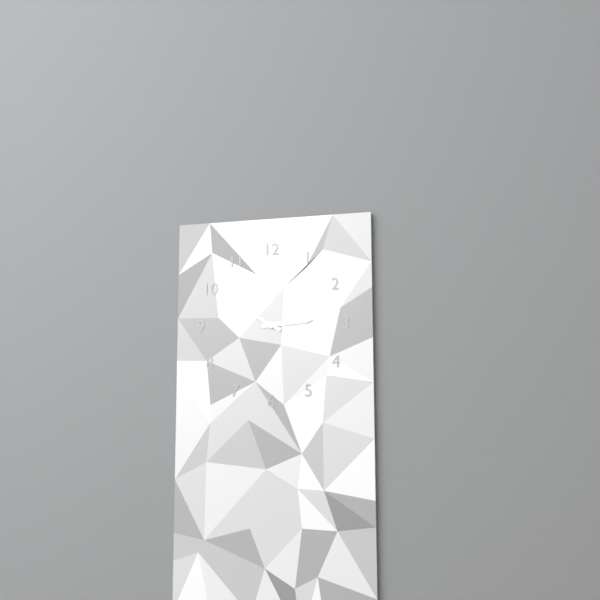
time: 2:50
